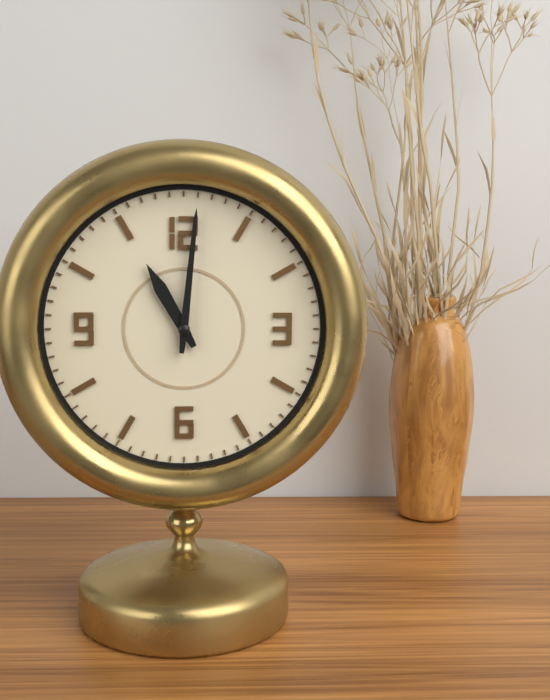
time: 11:01
